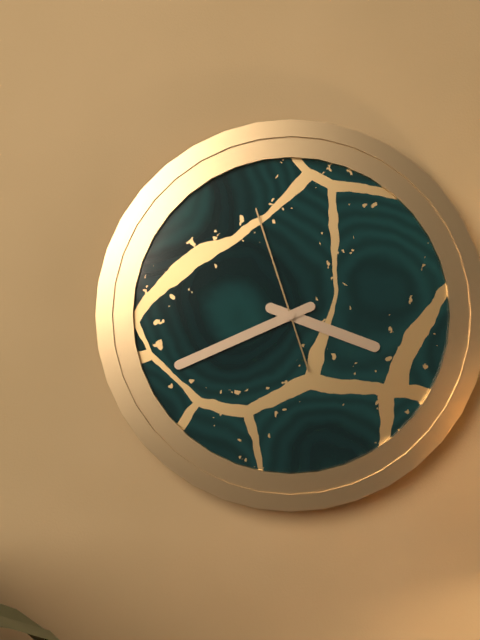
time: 3:41:57
